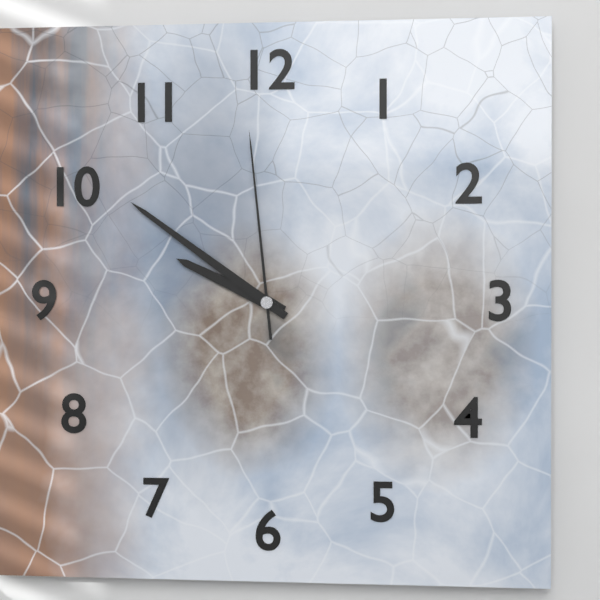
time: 9:51:59
